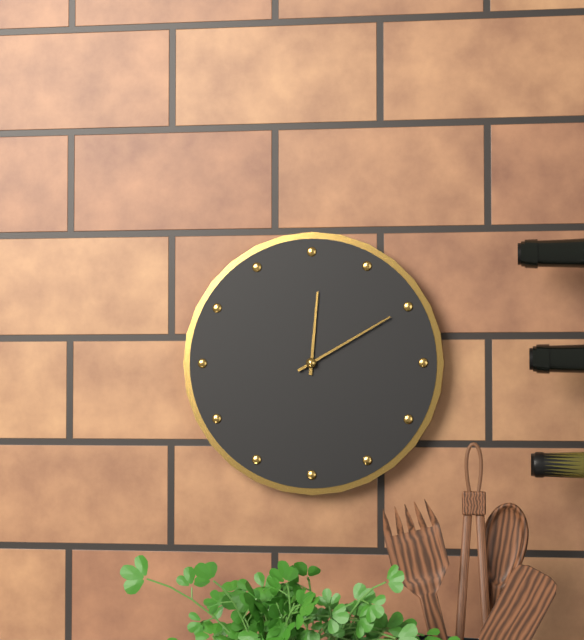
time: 12:10
